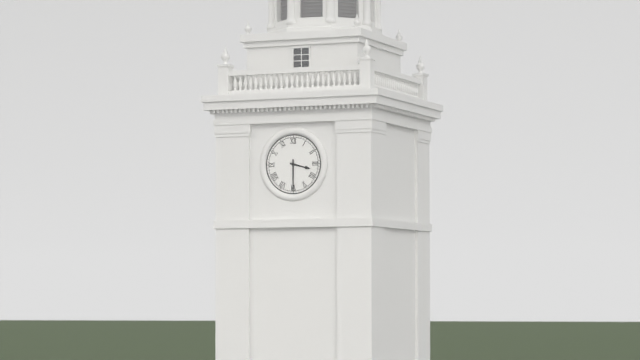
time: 3:30
